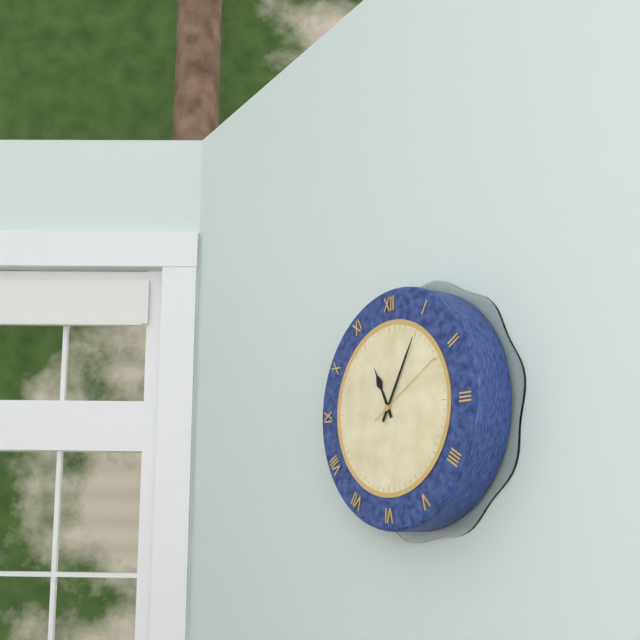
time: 11:05:10
